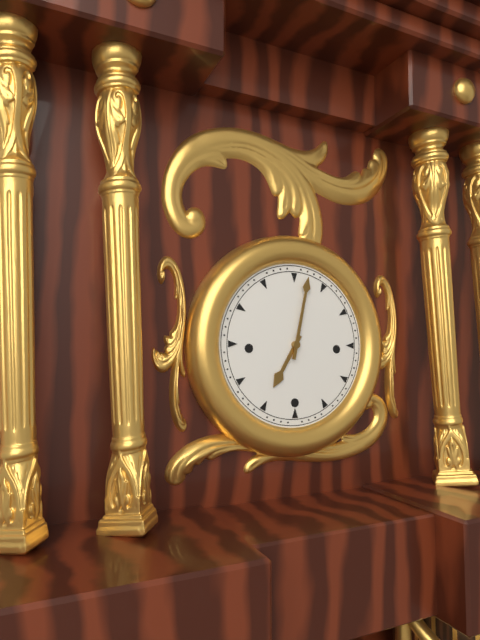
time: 7:02
